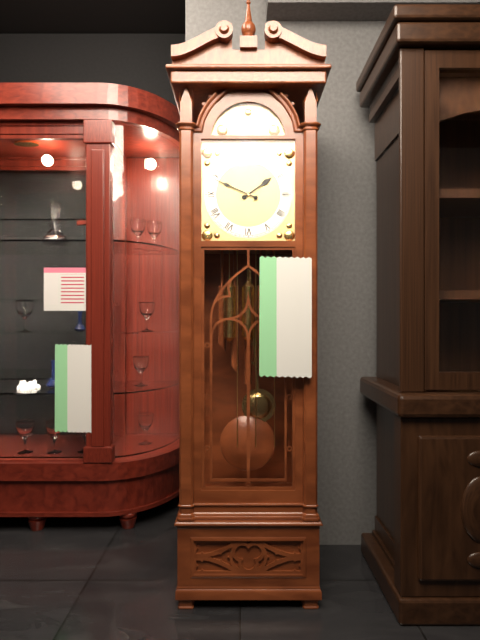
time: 1:49
